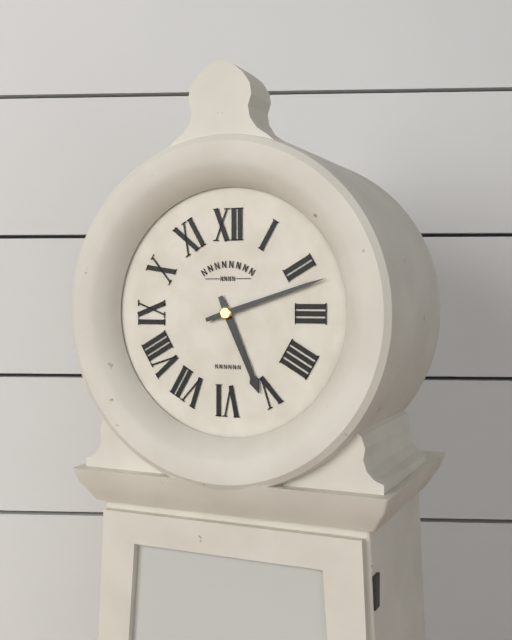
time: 5:12
